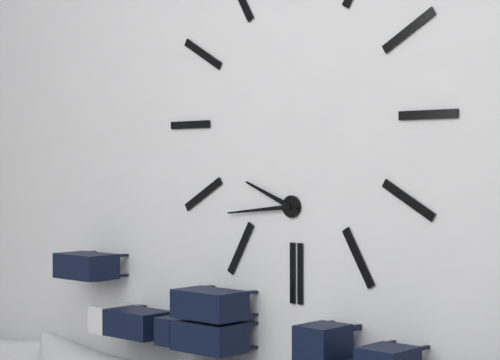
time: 9:44
